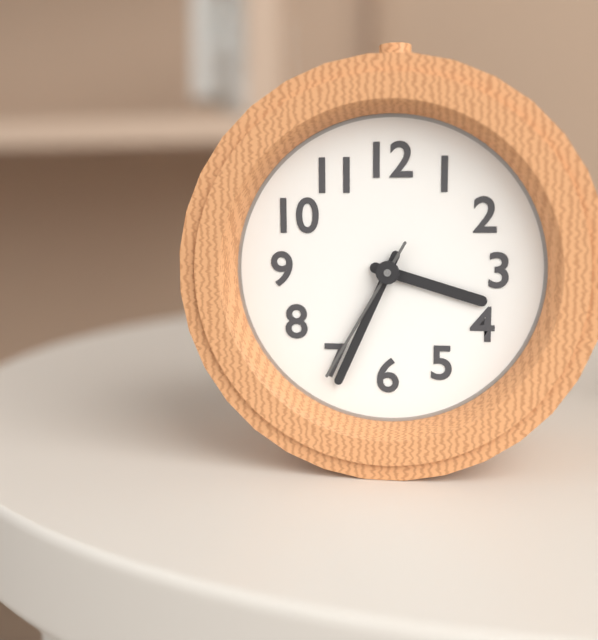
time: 3:34:35
